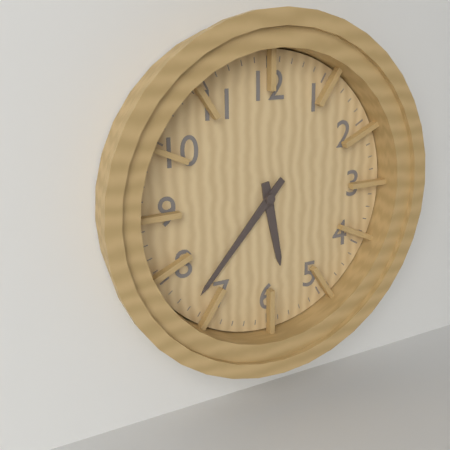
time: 5:37
